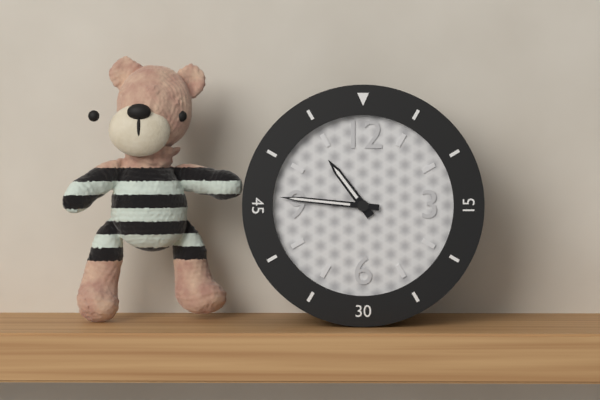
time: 10:46
